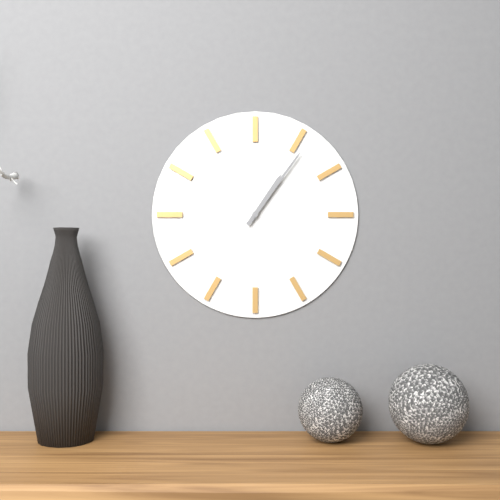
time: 1:06
